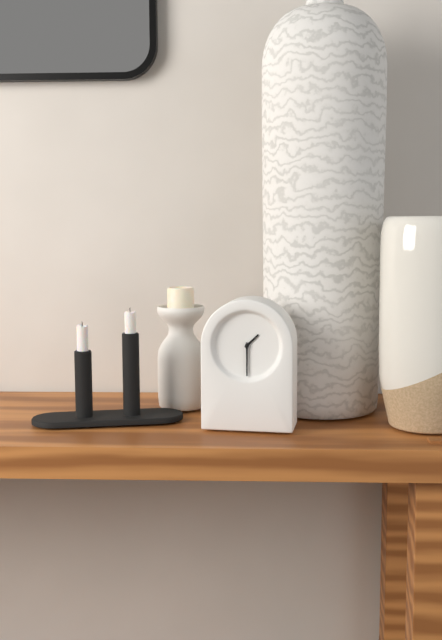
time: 1:30
